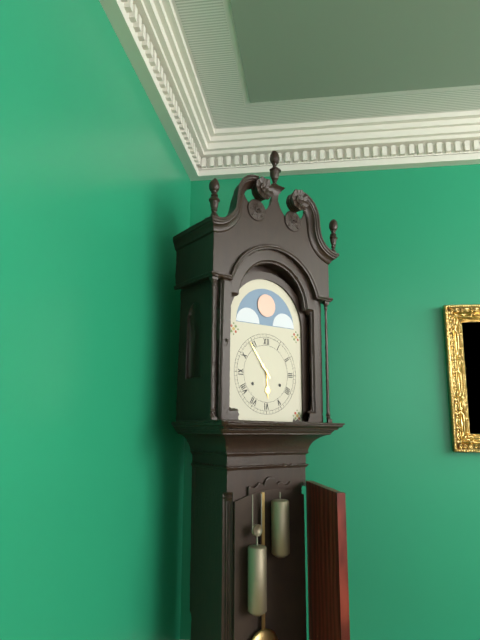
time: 5:54
